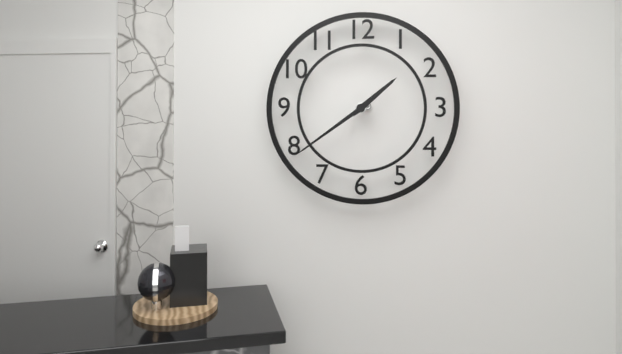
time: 1:39
